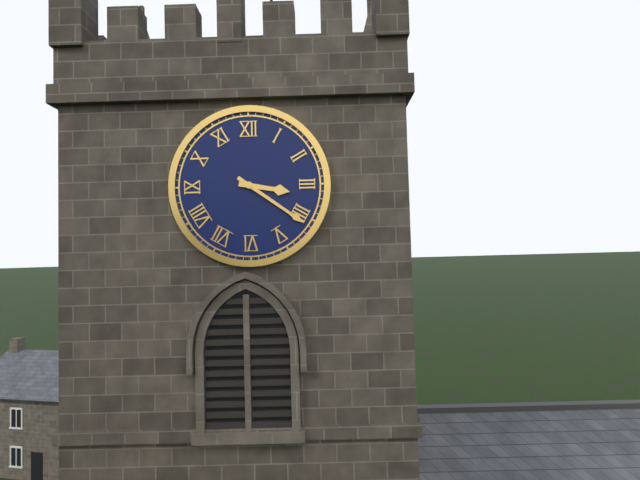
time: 3:21
